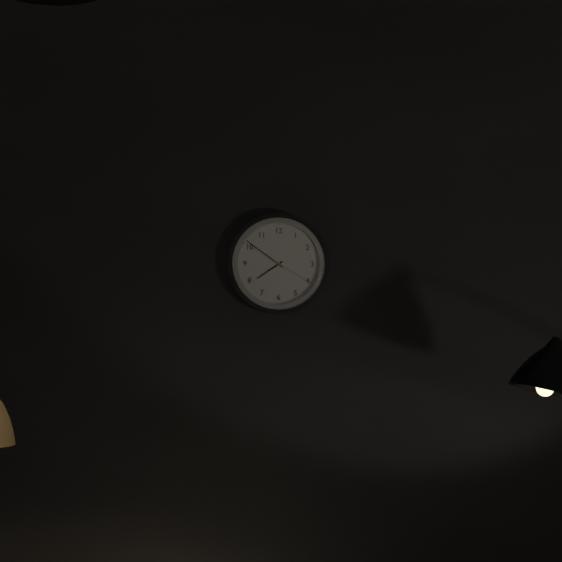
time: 7:51
